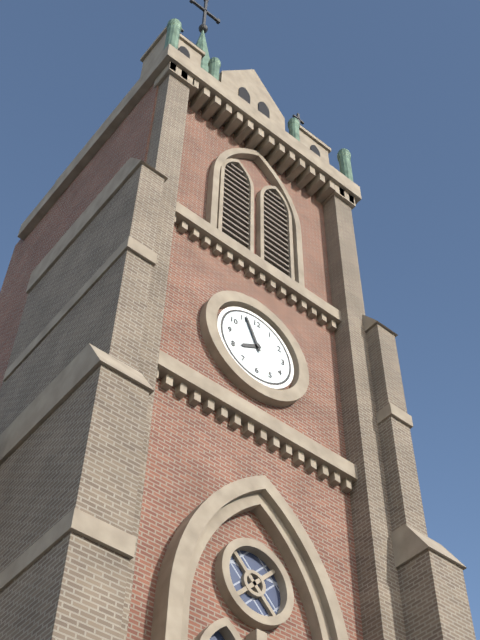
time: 7:56
